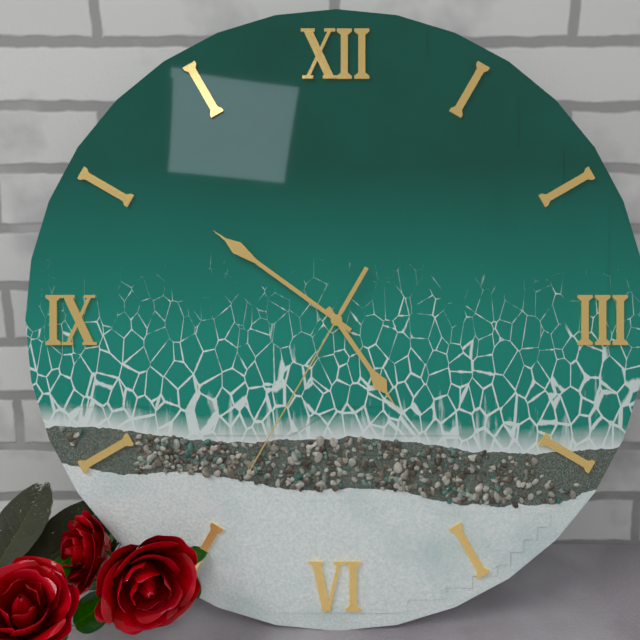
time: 4:51:35
